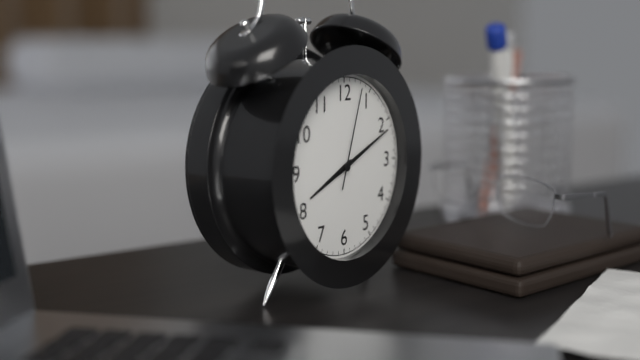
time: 8:11:03
